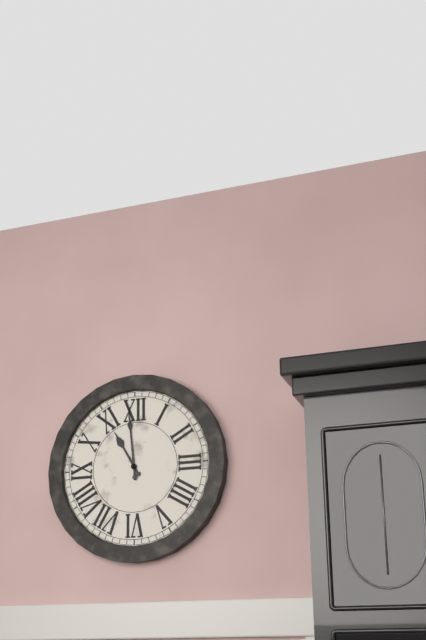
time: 10:59
